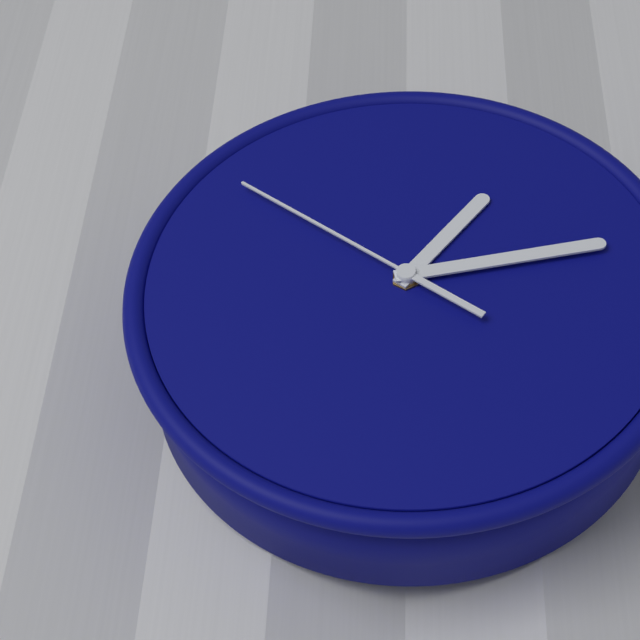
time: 1:13:51
